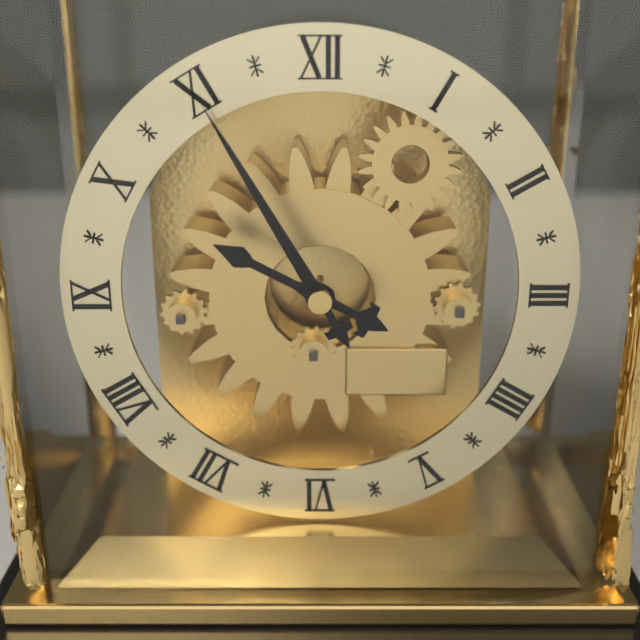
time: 9:55
